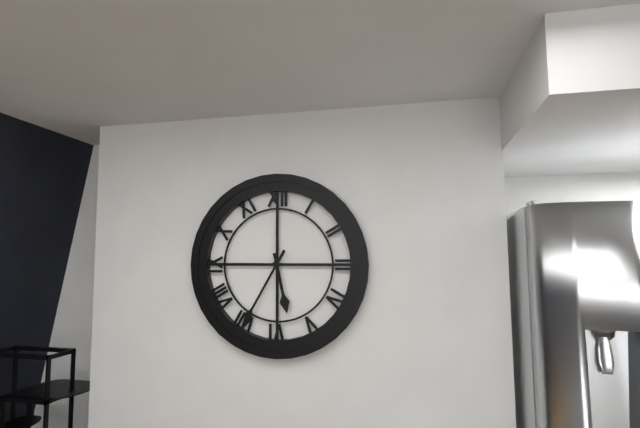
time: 5:35
